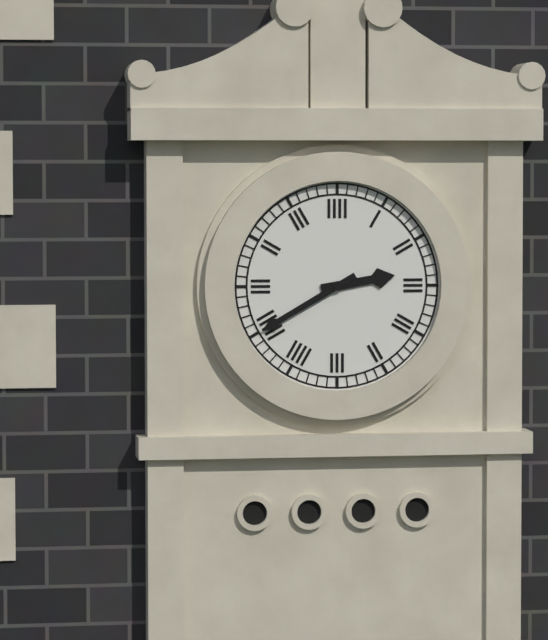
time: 2:40
